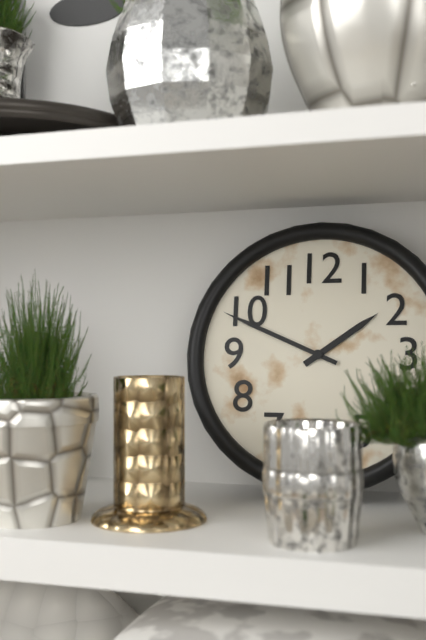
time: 1:49
